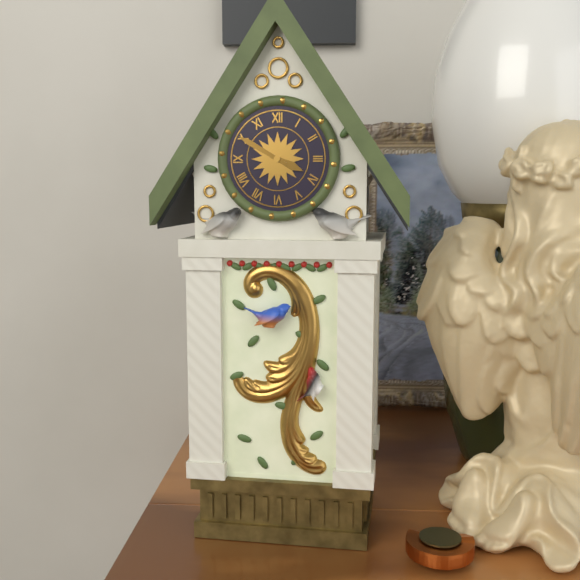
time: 3:50
